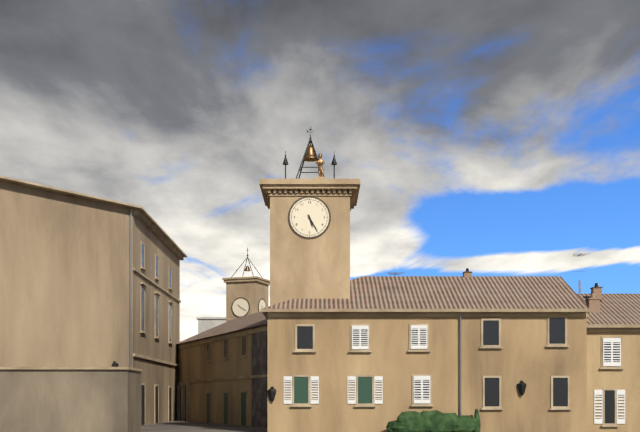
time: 5:25
